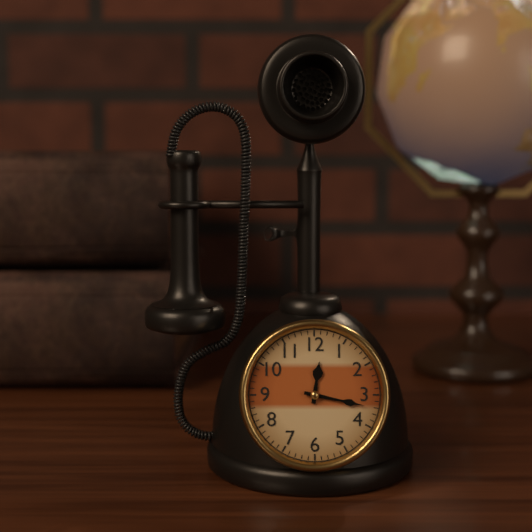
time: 12:17
